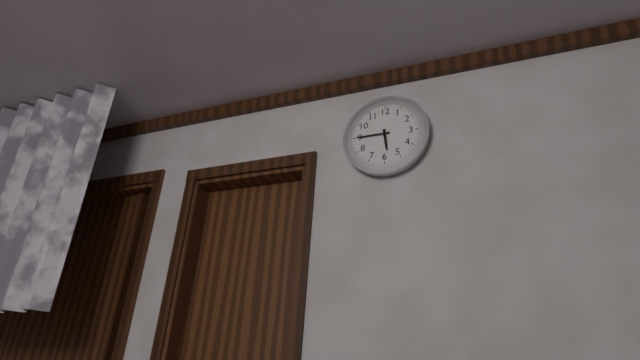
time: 5:45
